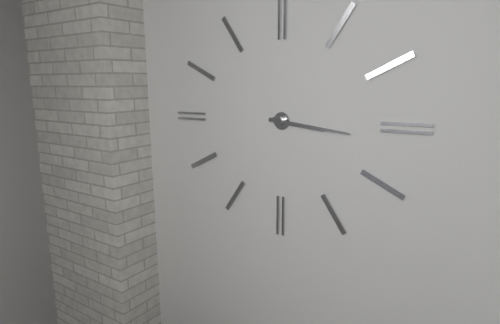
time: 3:16
